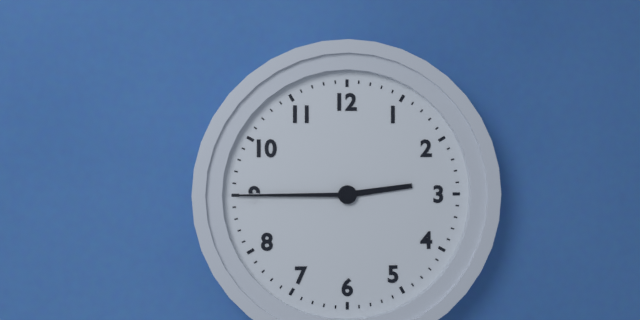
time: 2:45
